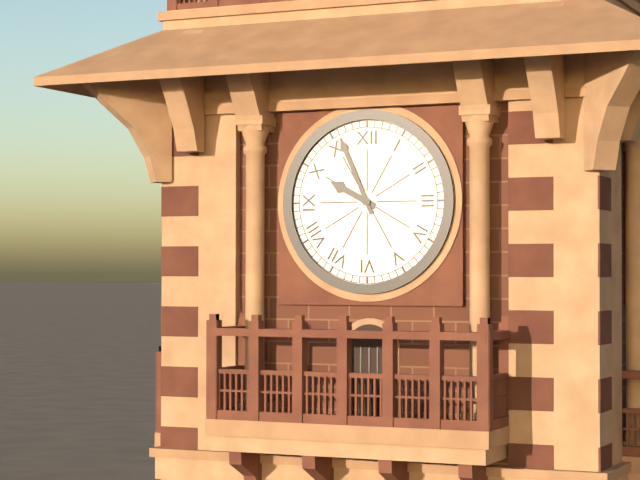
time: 9:56
